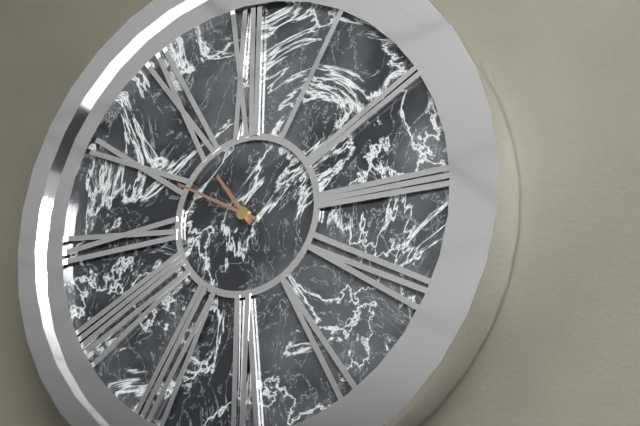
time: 10:50
